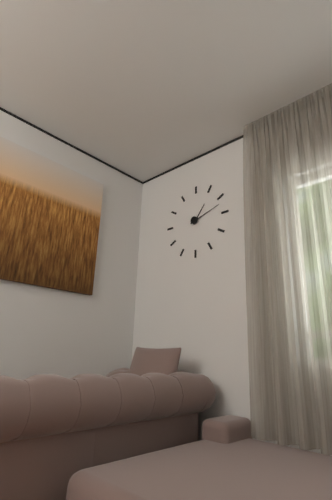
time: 1:12
